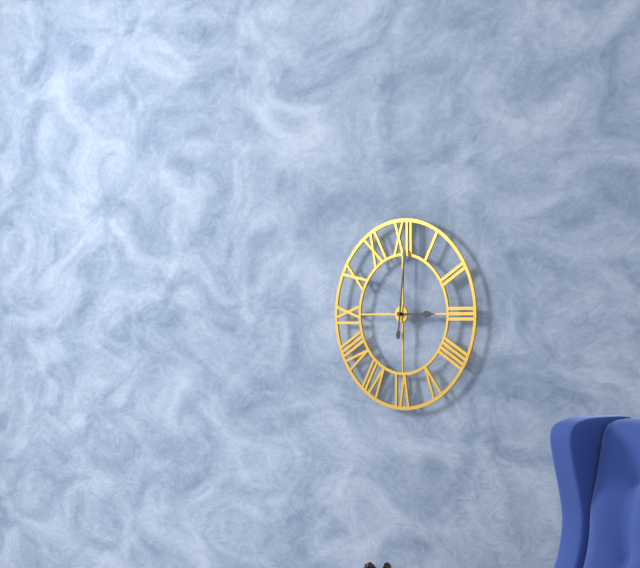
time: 3:01
